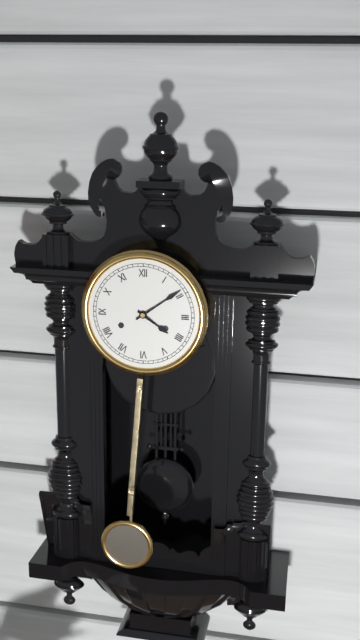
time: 4:09
